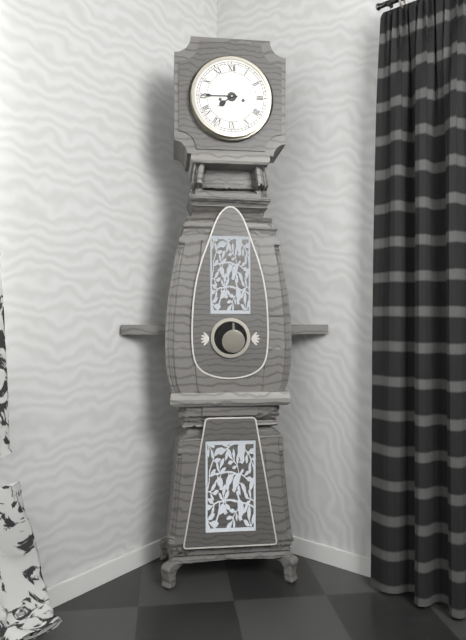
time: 7:45
